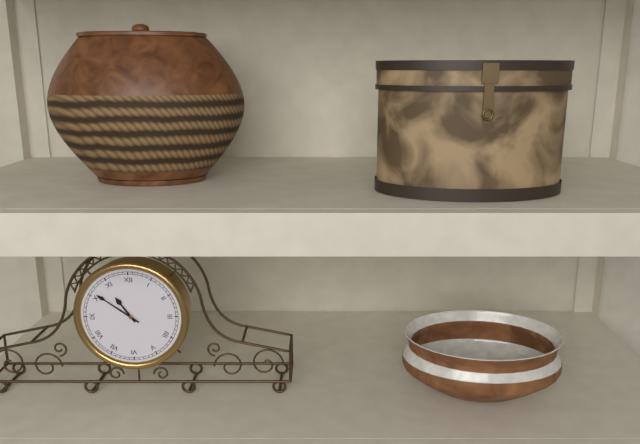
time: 10:51
